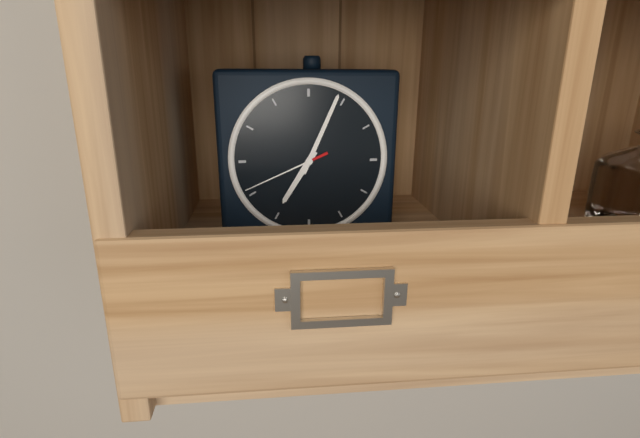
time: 7:04:41
